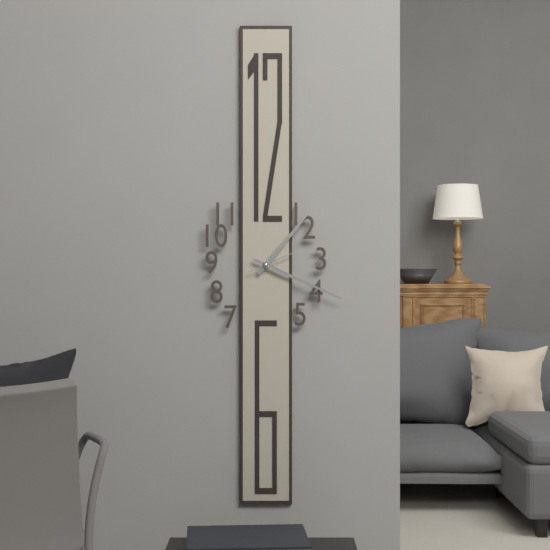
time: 1:19
